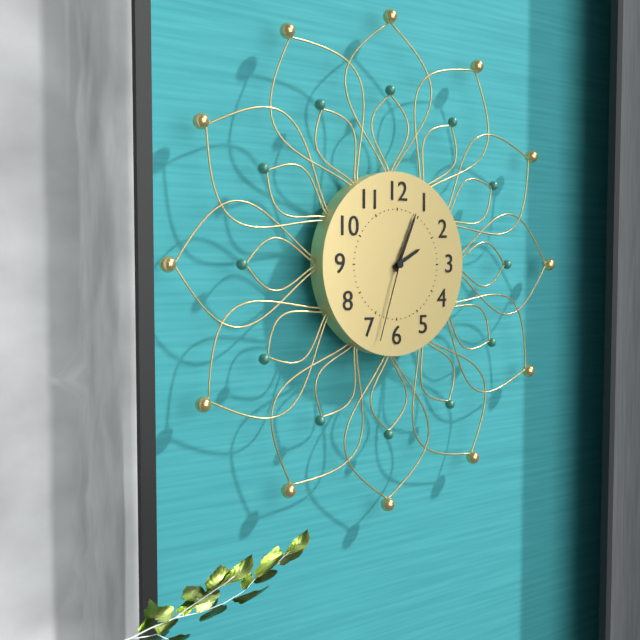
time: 2:04:33
